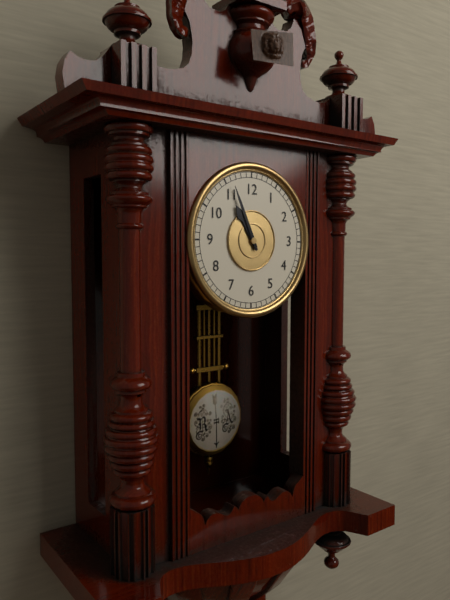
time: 10:56
